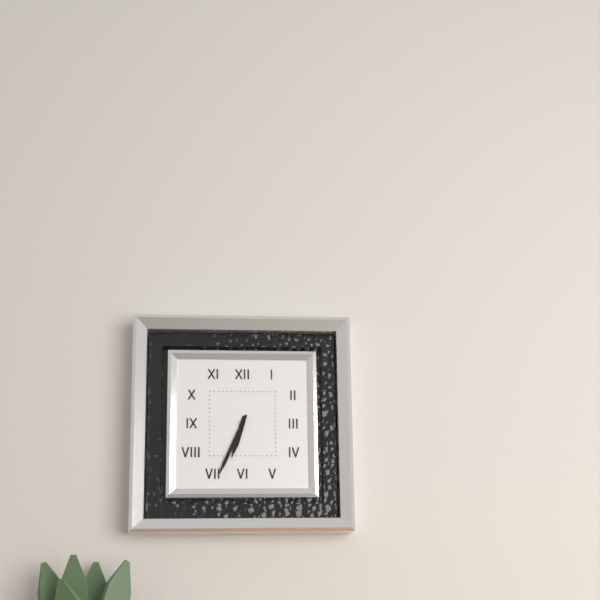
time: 6:34
